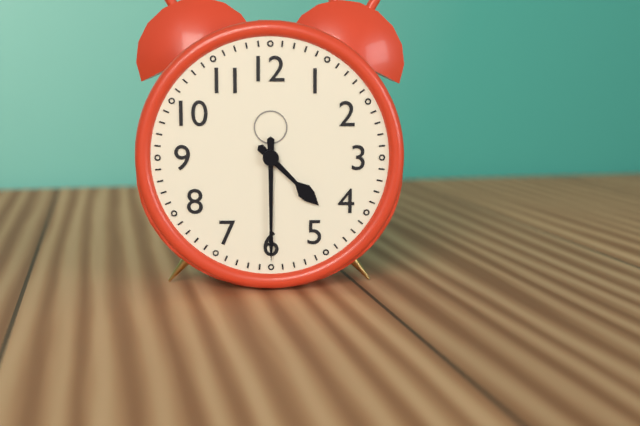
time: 4:30
